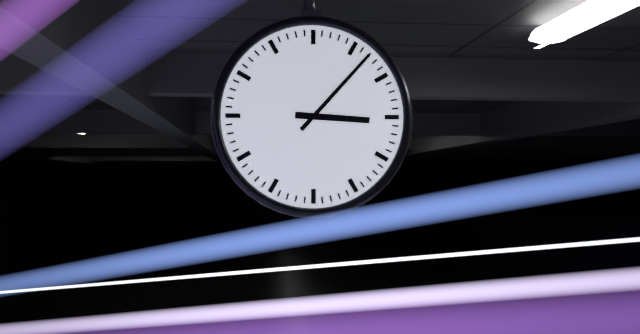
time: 3:07
